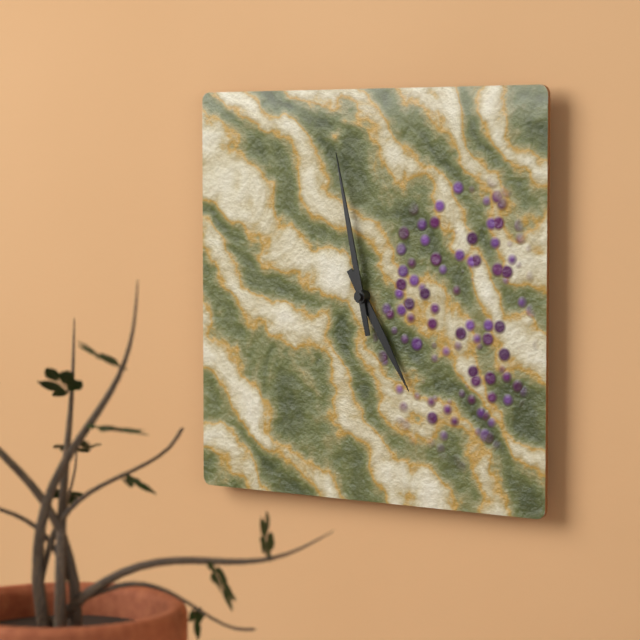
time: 4:58
